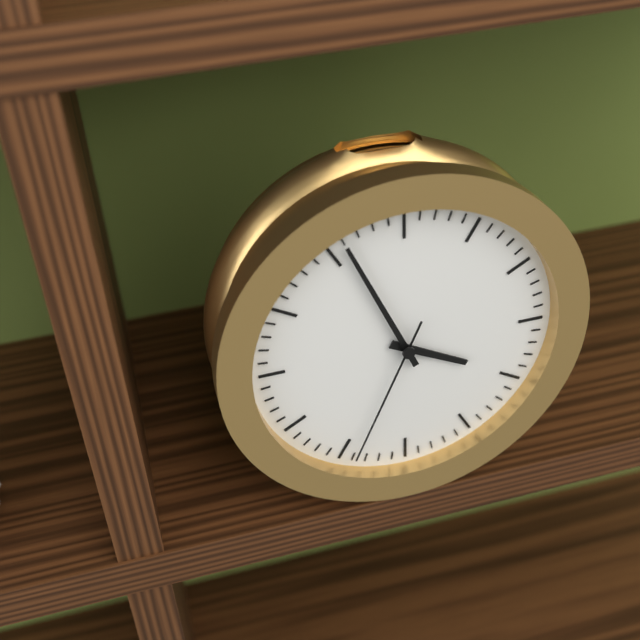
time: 3:56:34
